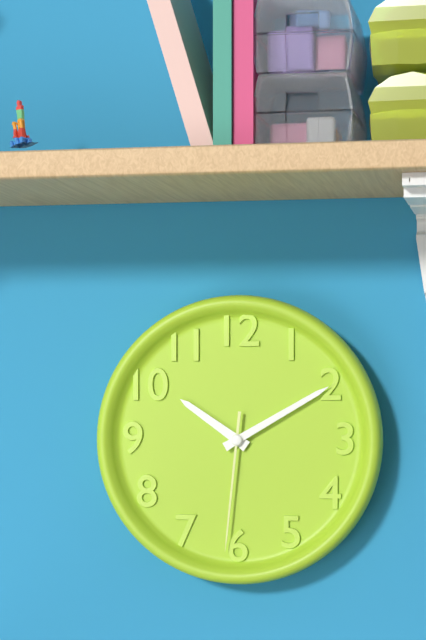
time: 10:10:31
